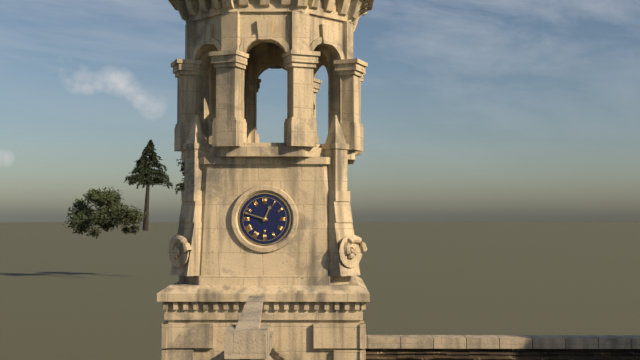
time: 12:48
